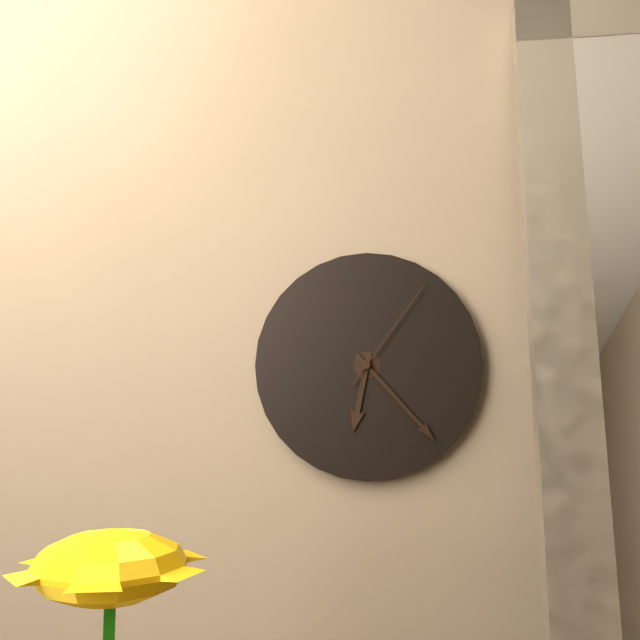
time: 6:23:06
